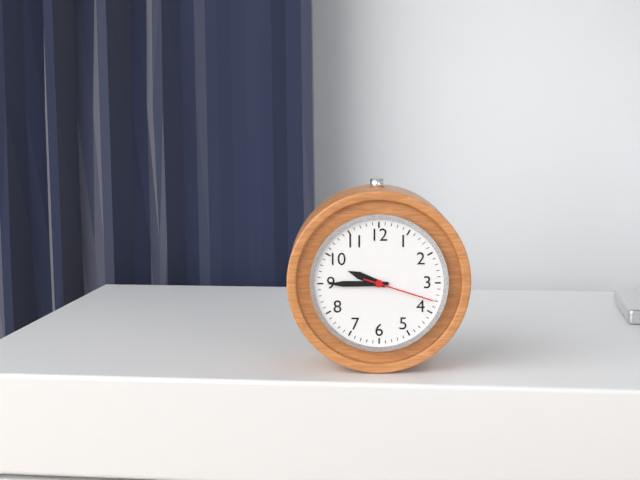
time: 9:45:18
